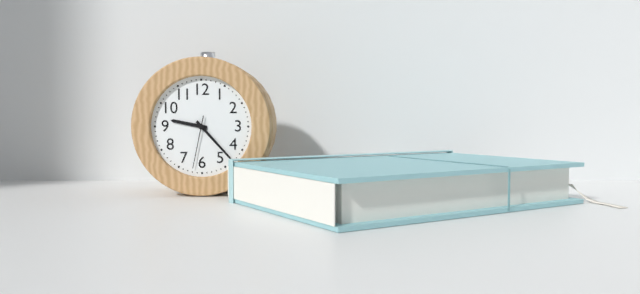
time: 9:23:32
